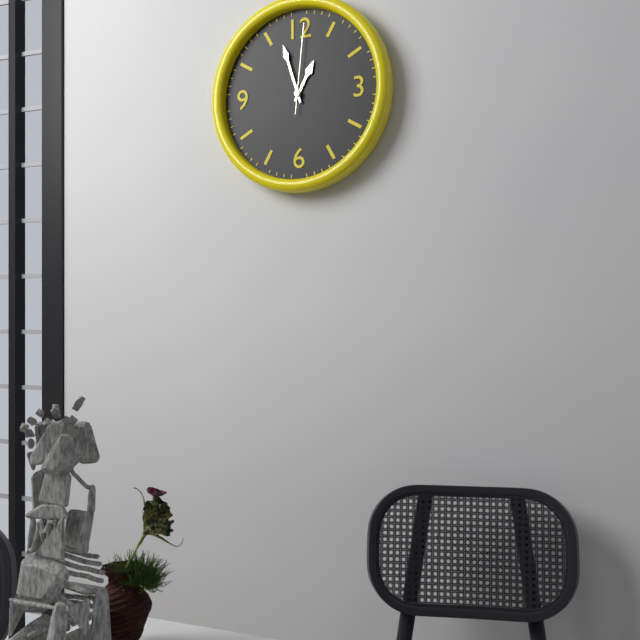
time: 12:57:01
